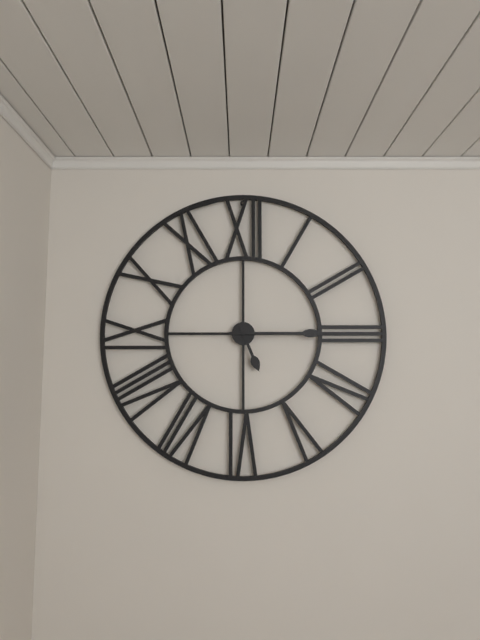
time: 5:15
